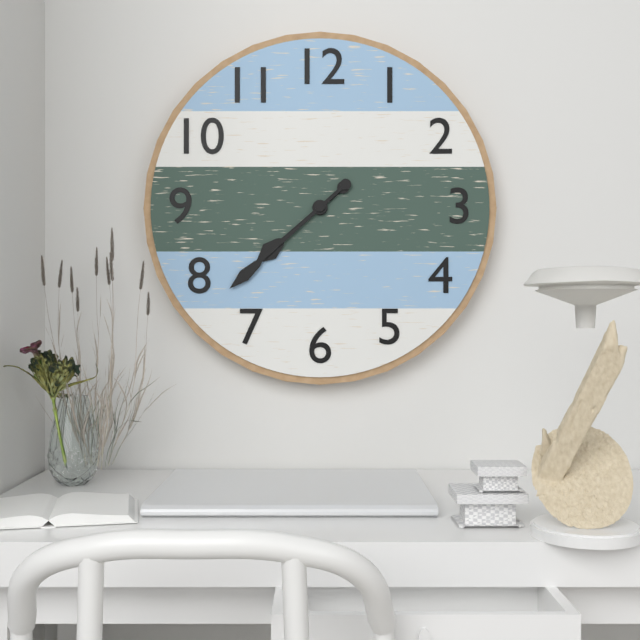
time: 7:38
